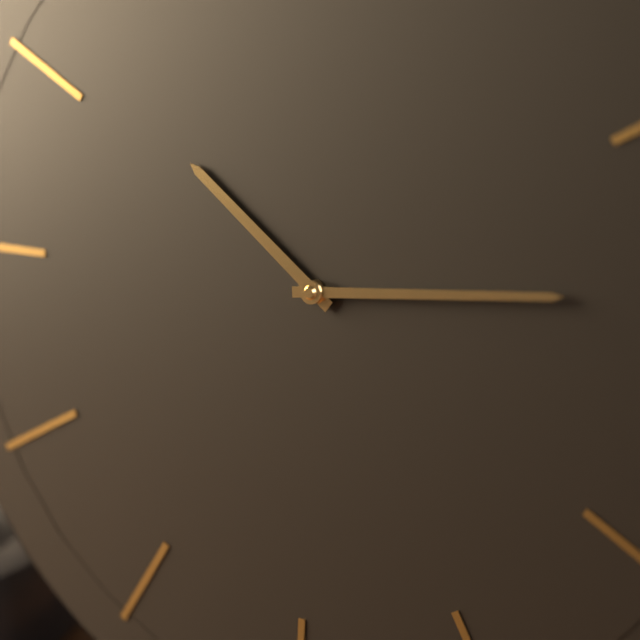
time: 10:14
